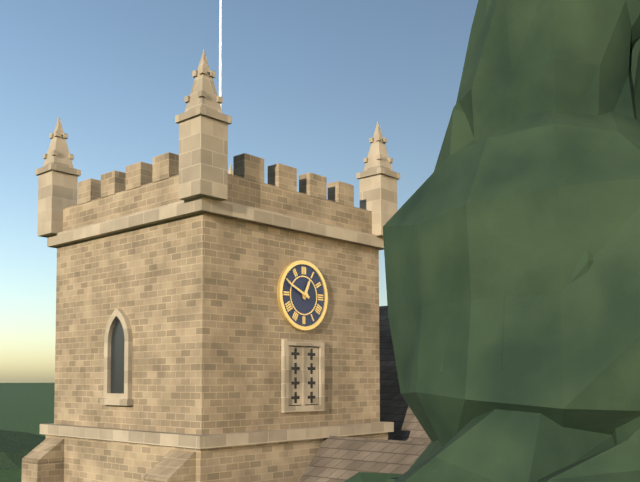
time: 12:49
